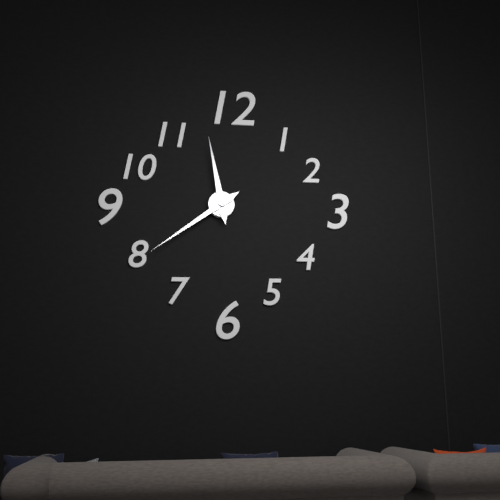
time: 11:39
